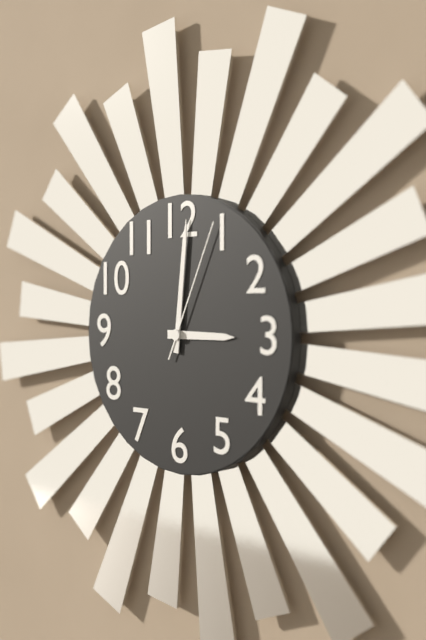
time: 3:01:04
